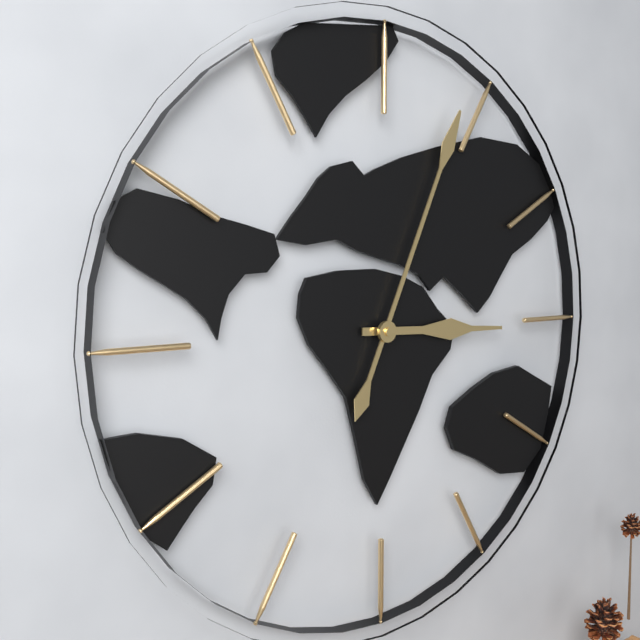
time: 3:04
